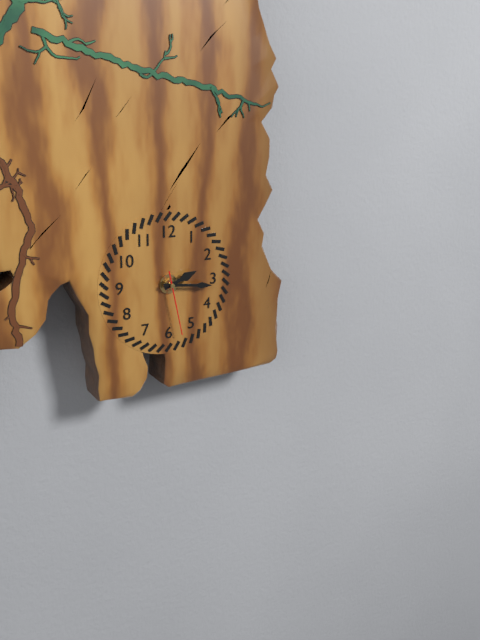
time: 2:16:28
